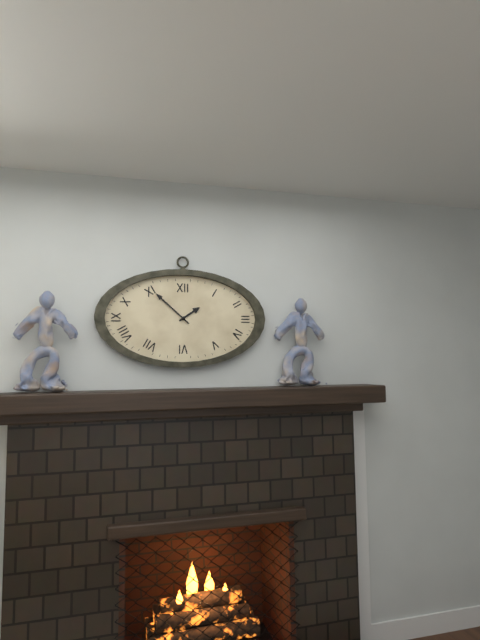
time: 1:52
